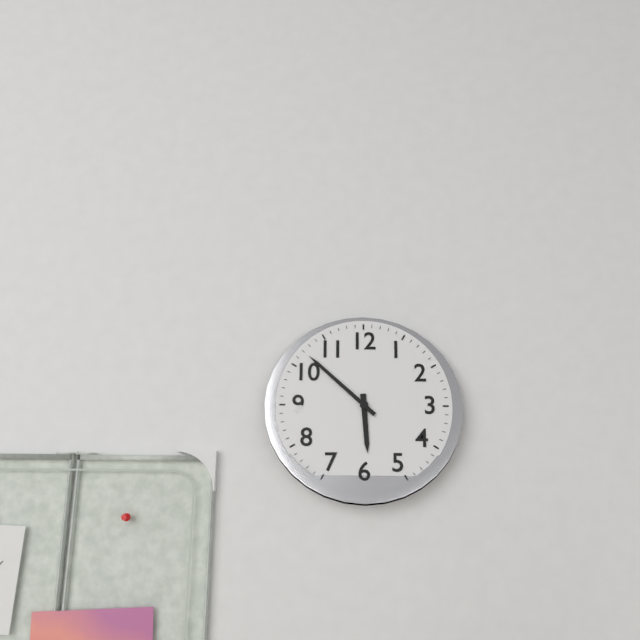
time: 5:52
